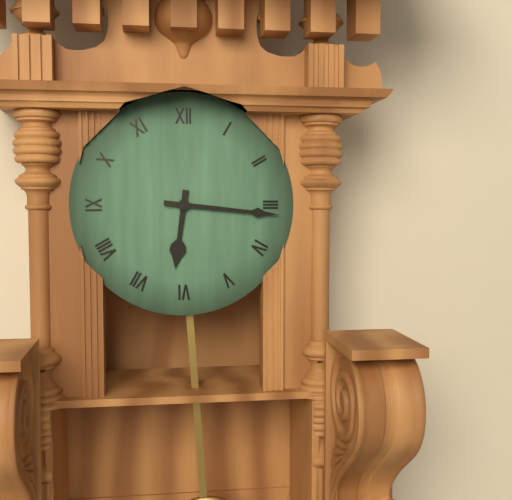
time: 6:16
